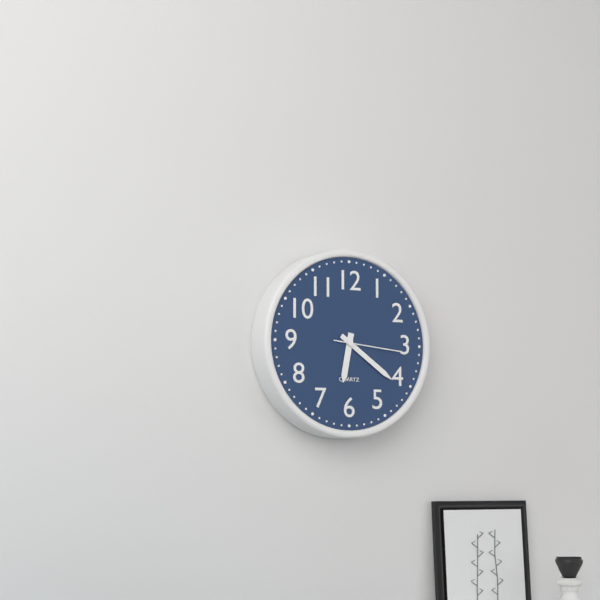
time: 6:21:16
